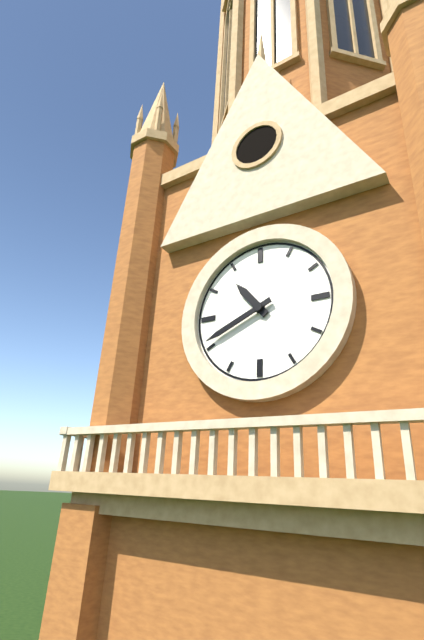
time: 10:41
